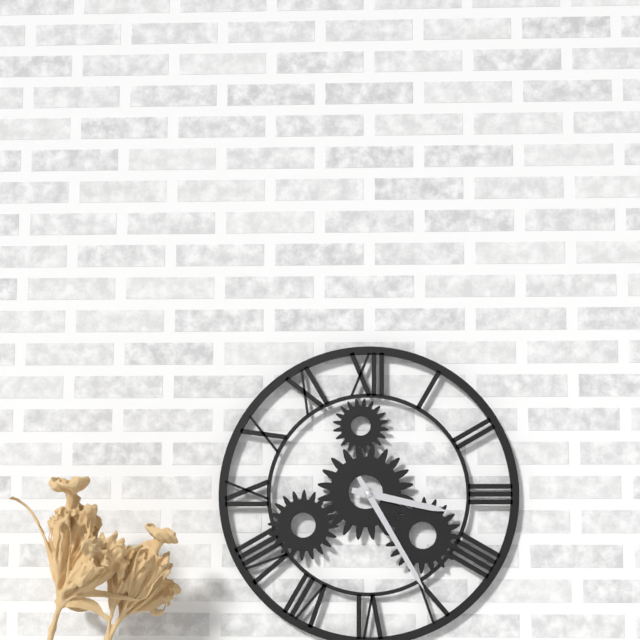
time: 3:25
